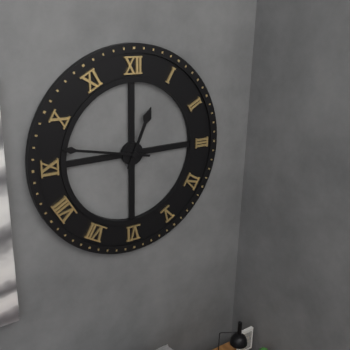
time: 12:47
